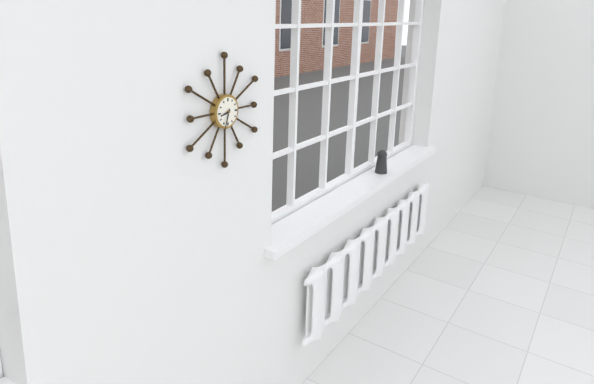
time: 8:33
